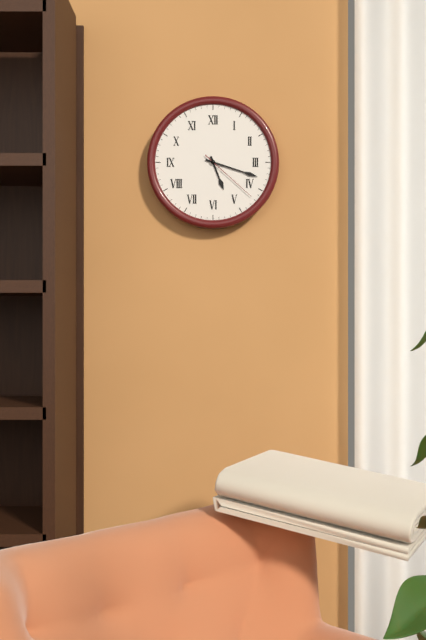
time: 5:18:22
